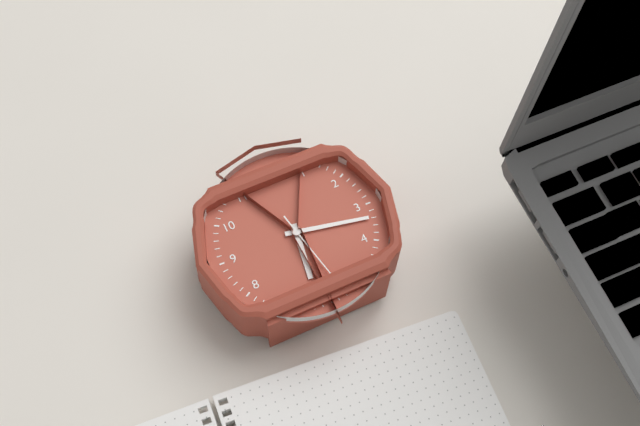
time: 6:17:28
